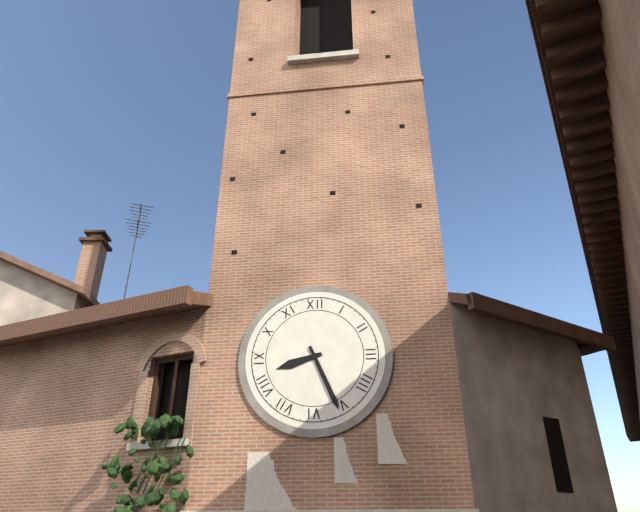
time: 8:26
